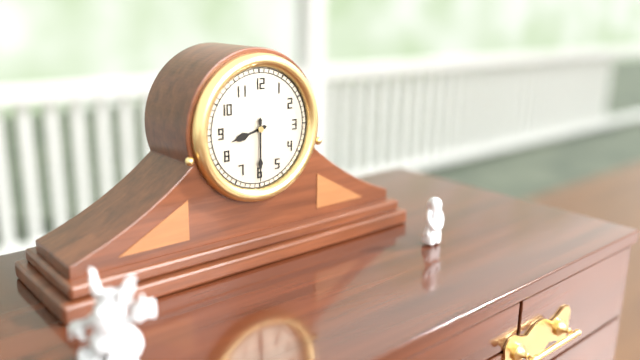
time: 8:30
